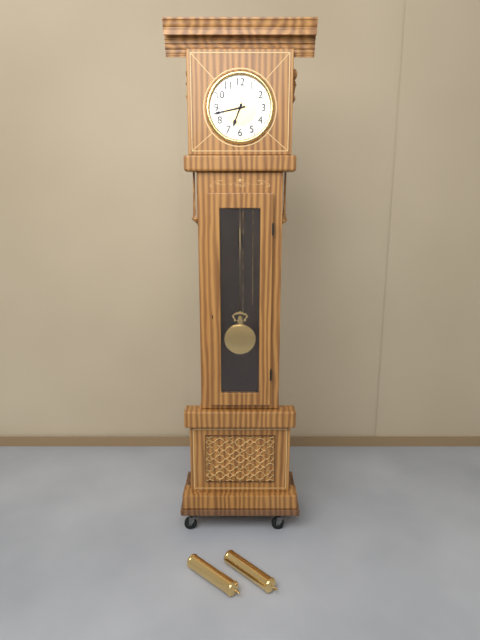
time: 6:43
